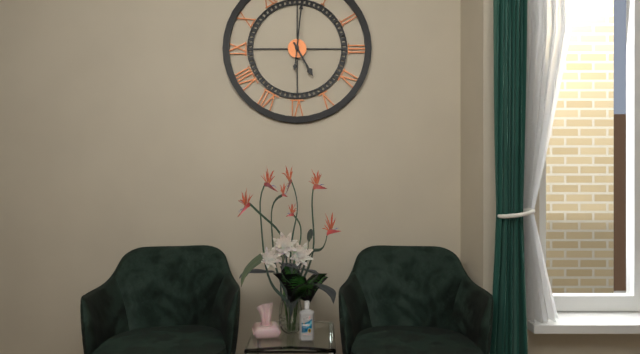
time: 5:01
